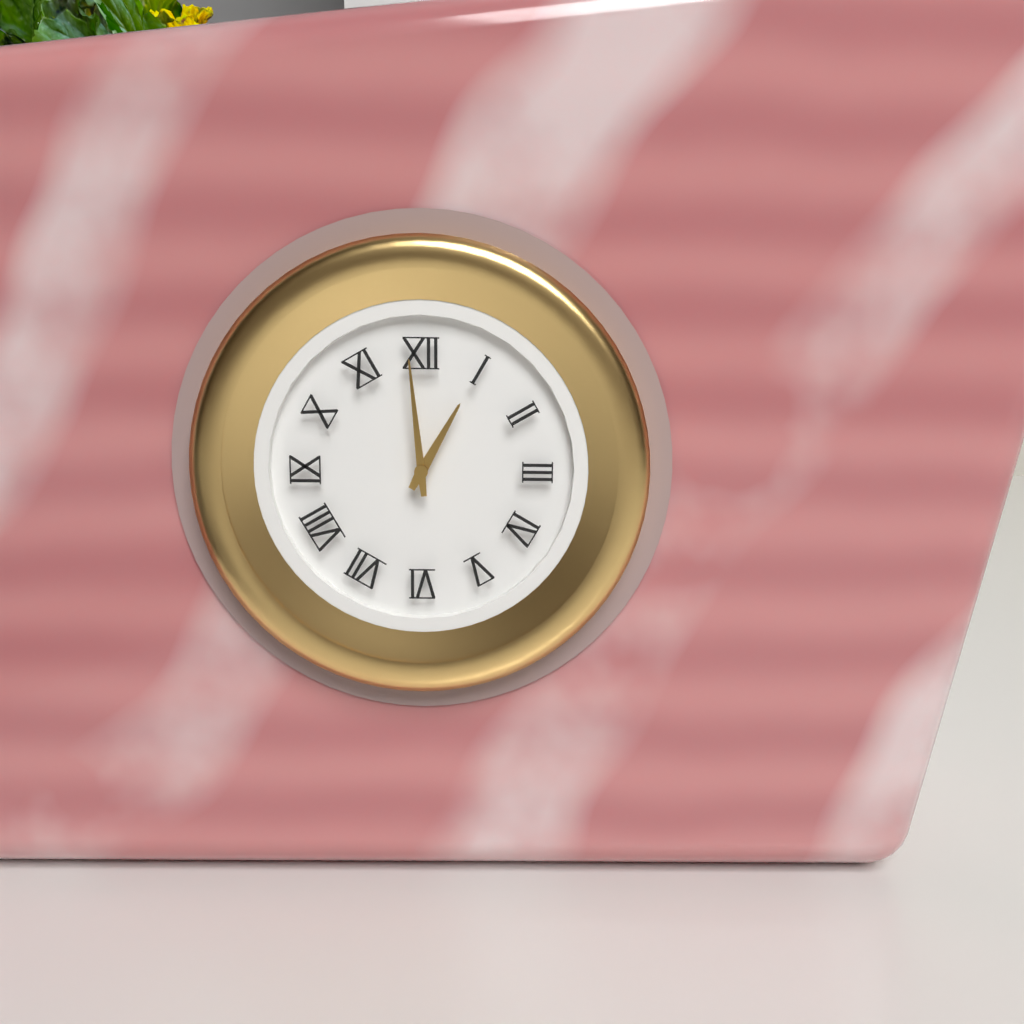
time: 12:59
